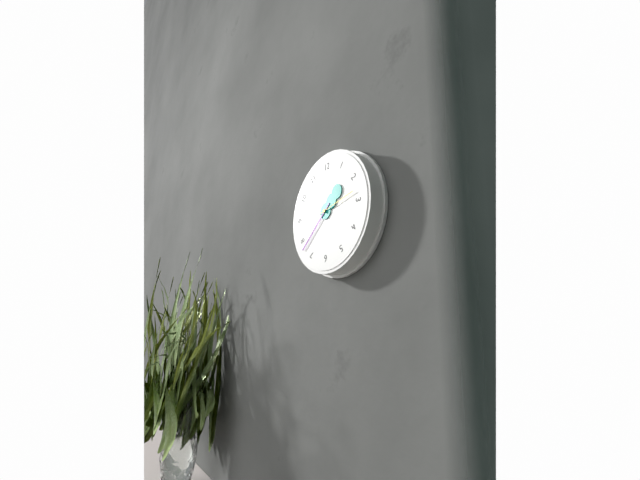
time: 1:38
